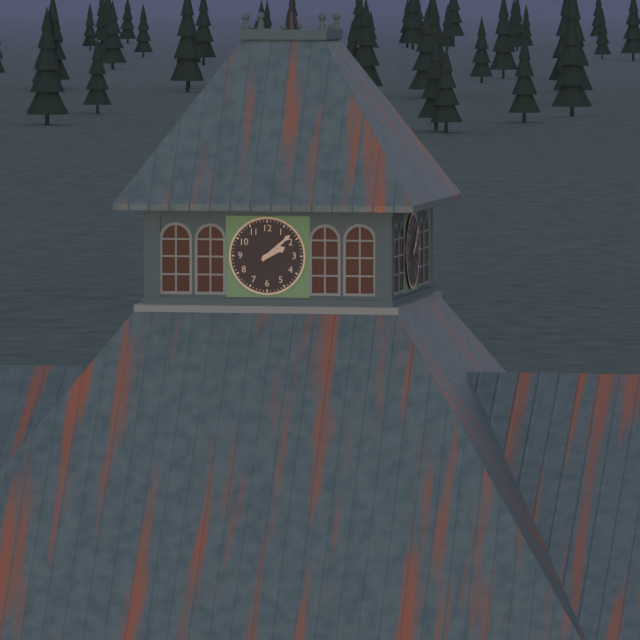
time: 2:08
